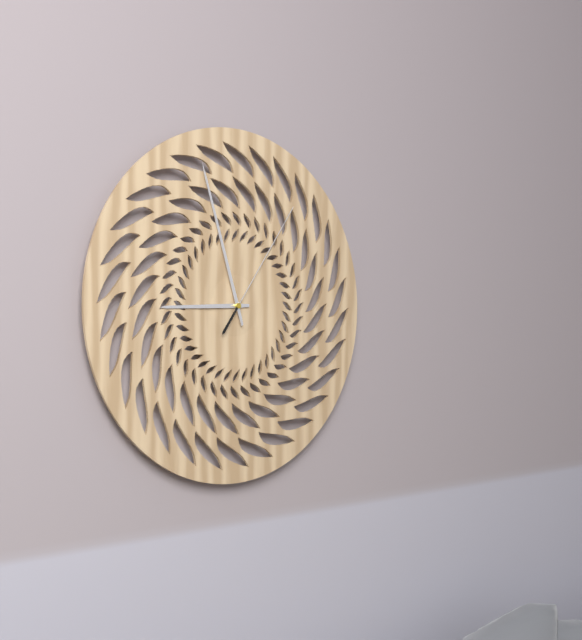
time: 8:57:06
